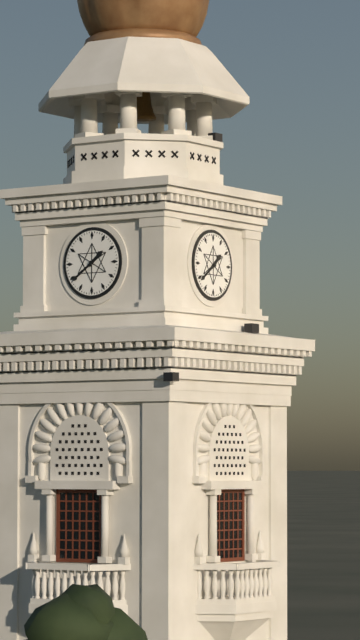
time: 1:39
